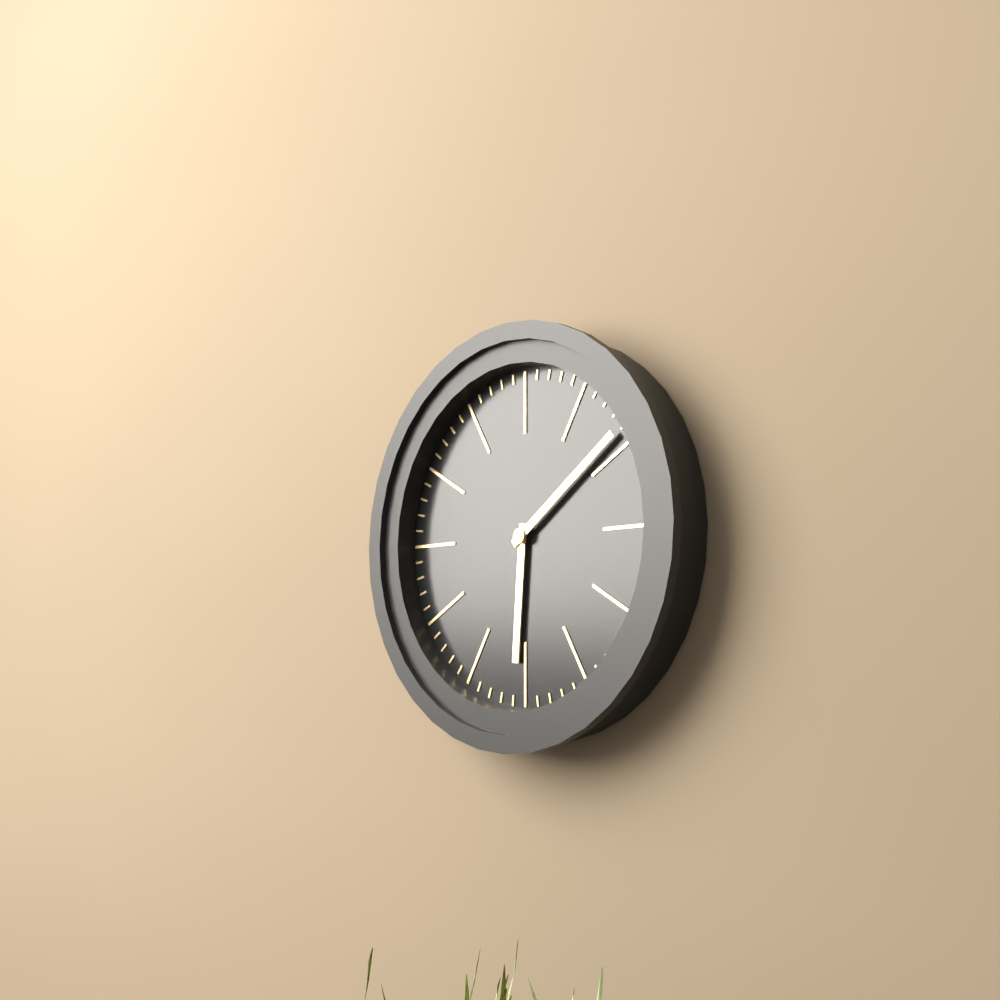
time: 6:09
